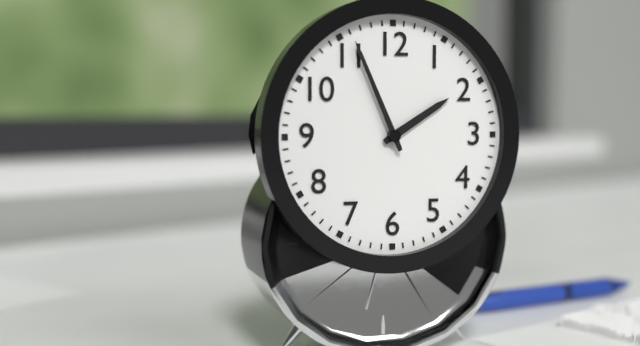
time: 1:56
